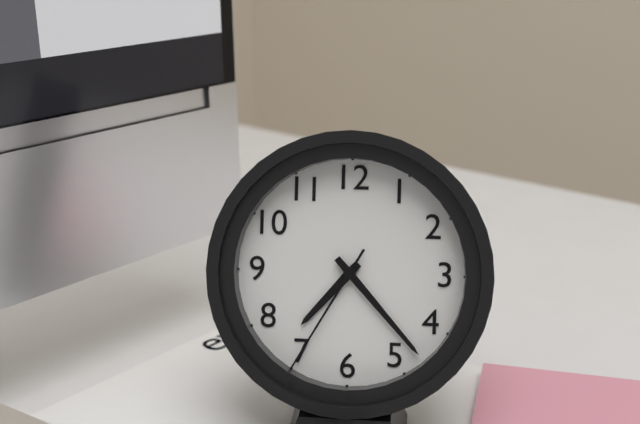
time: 7:23:35
